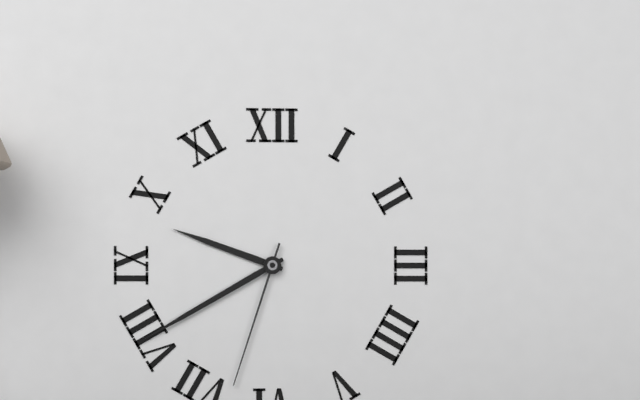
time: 9:40:33
